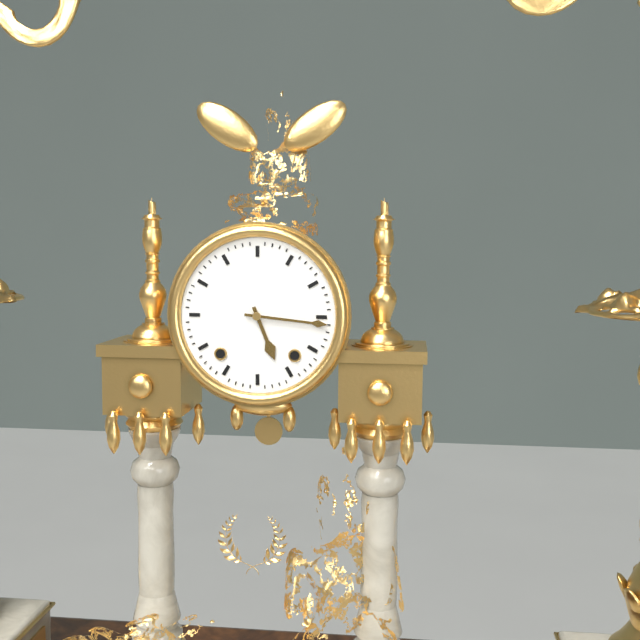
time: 5:16
